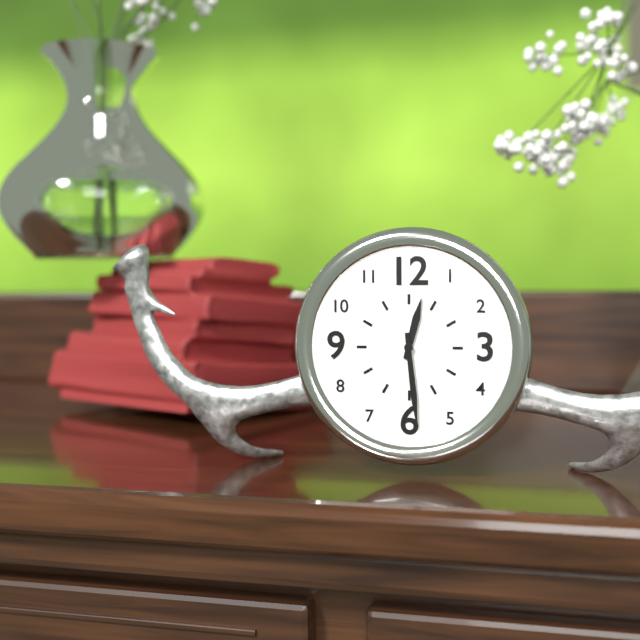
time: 12:29
